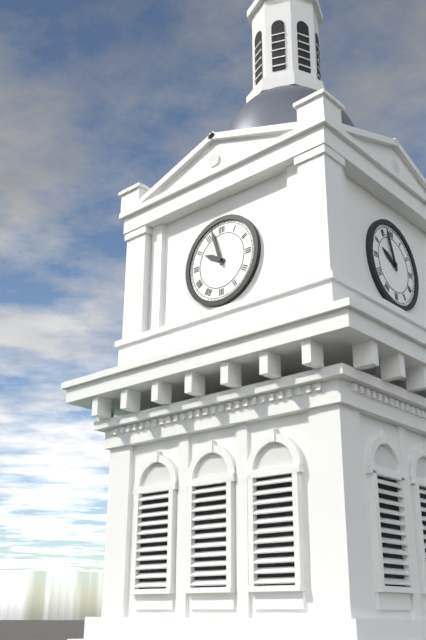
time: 9:57
